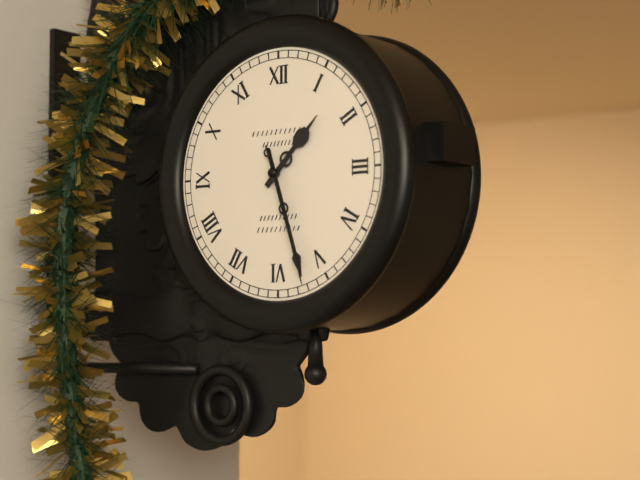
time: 1:27:27
